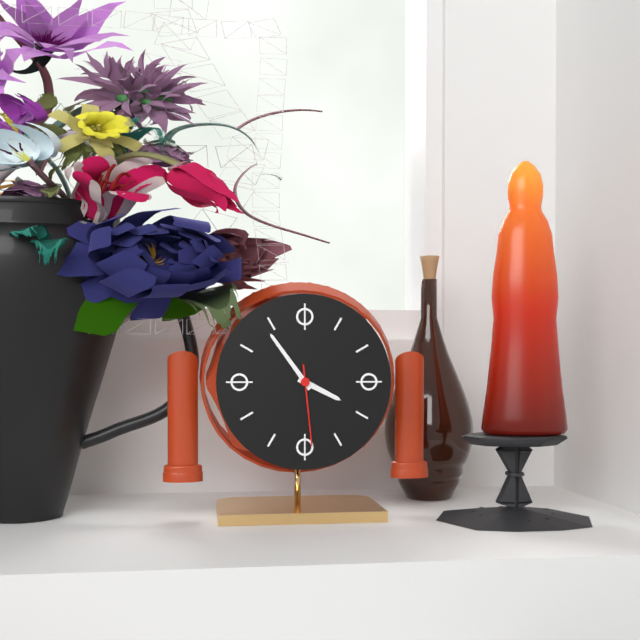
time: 3:54:29
